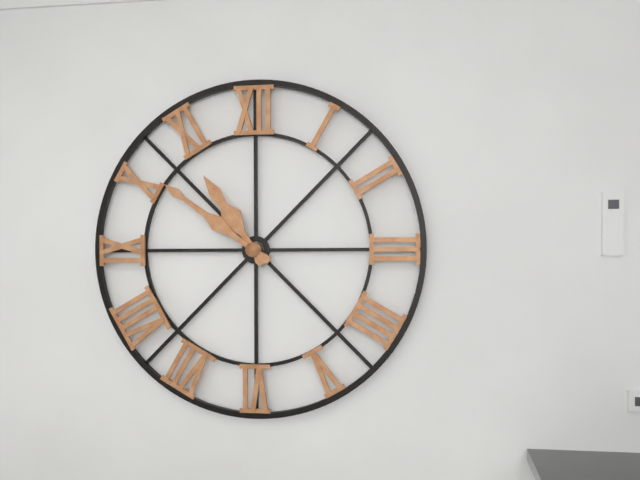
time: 10:51
